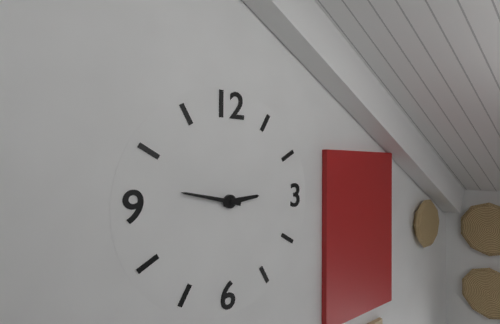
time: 2:47
